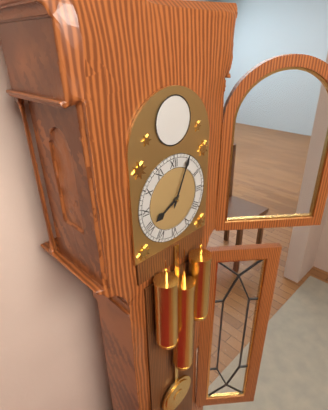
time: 8:04
